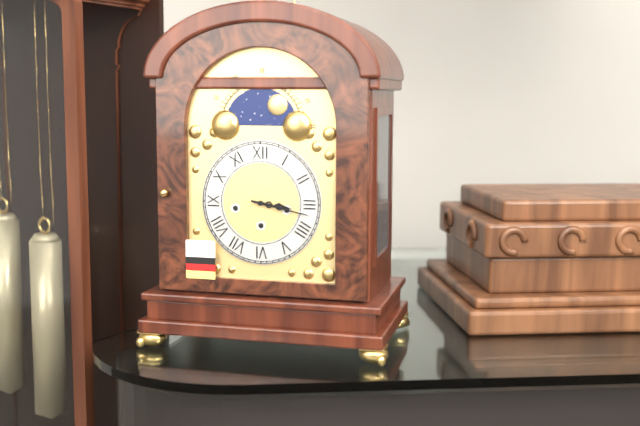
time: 3:17
